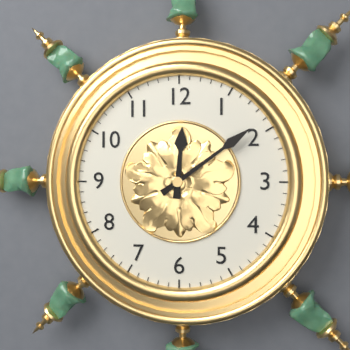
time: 12:09
